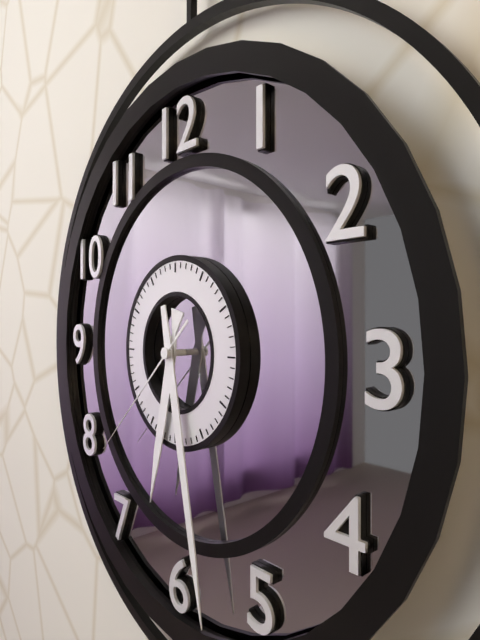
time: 6:28:38
